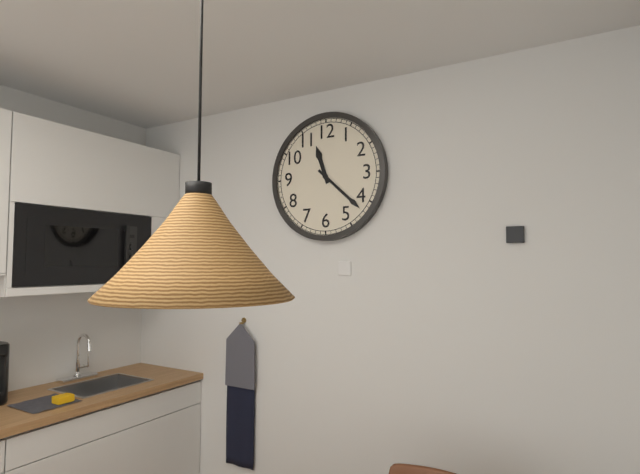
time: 11:22
